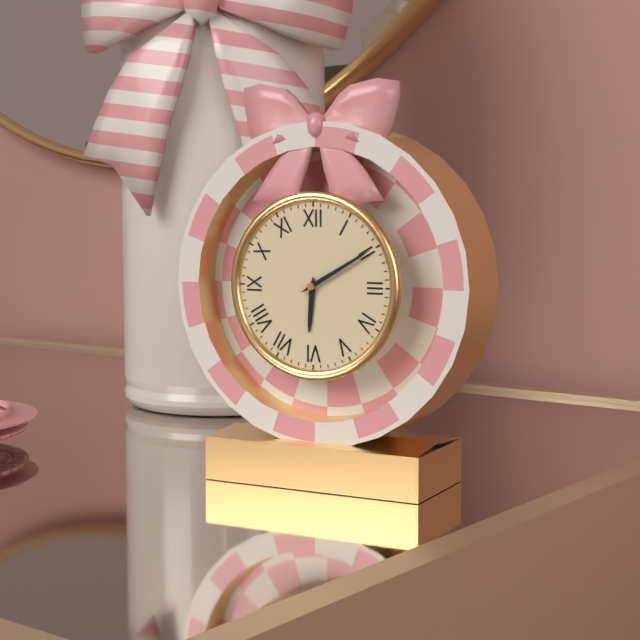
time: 6:10
